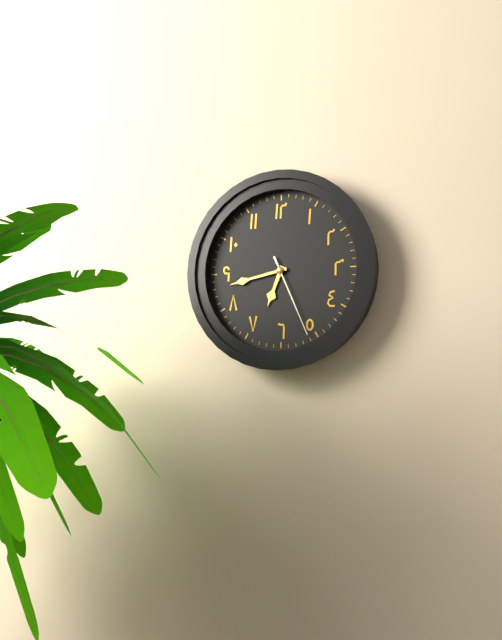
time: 6:43:26
